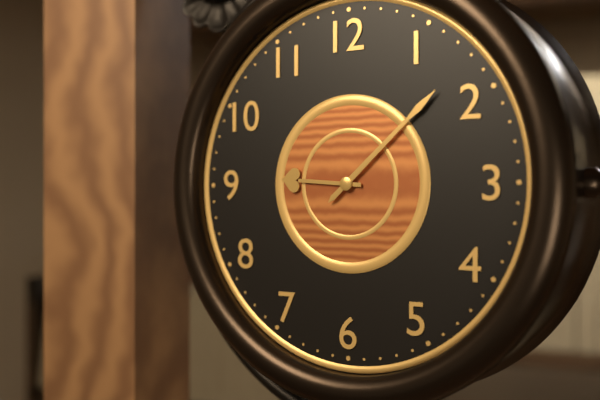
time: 9:08
